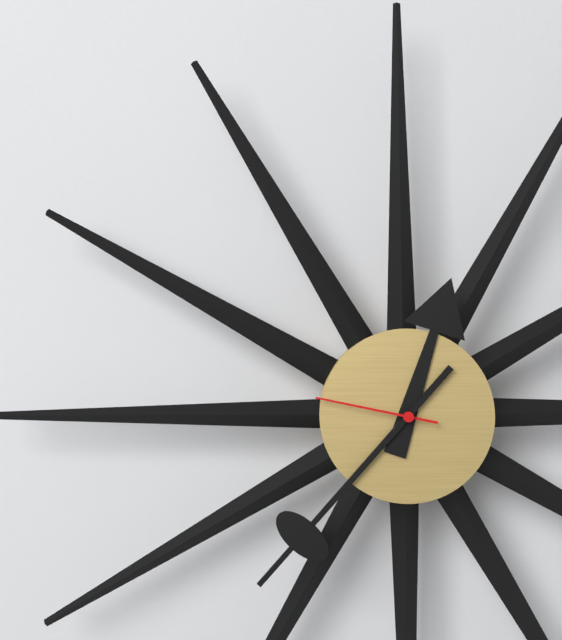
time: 12:37:47
